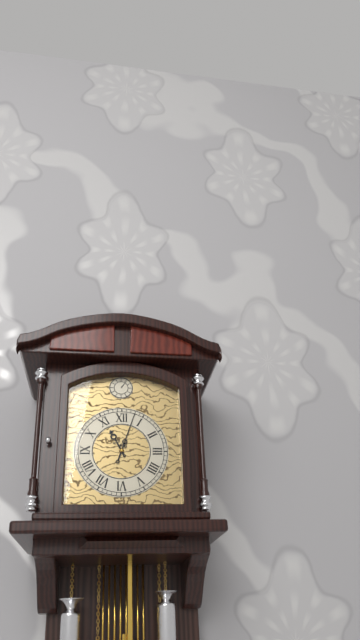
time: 11:03
